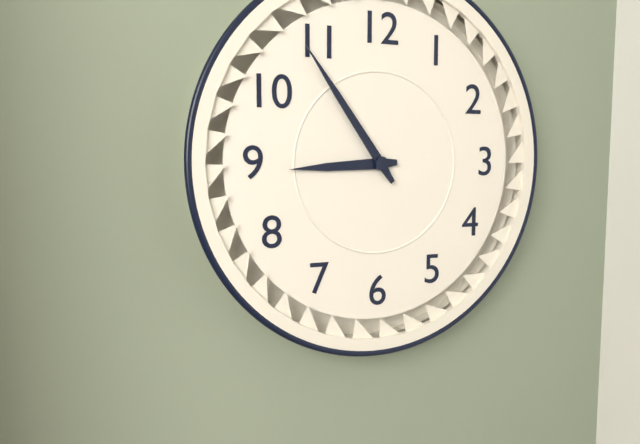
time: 8:54
